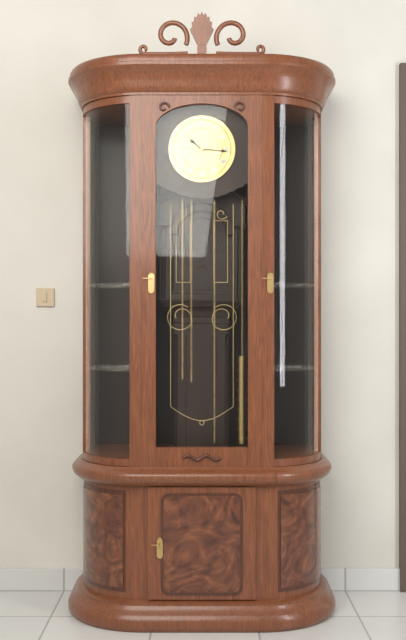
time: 10:16
